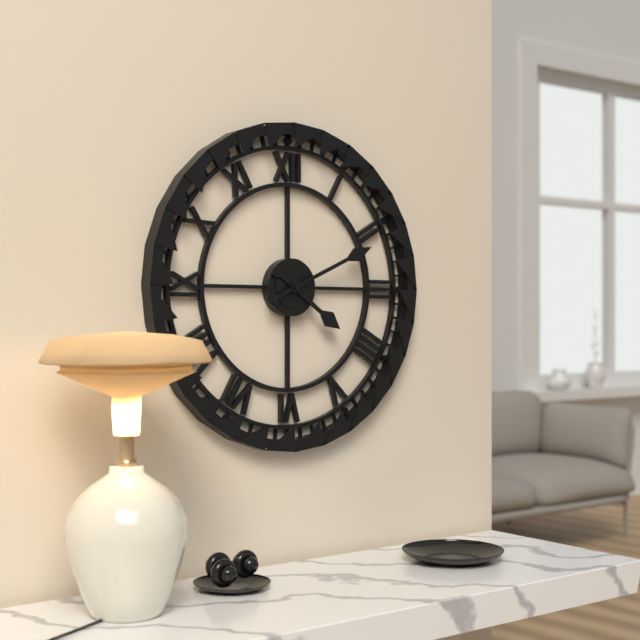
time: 4:11
